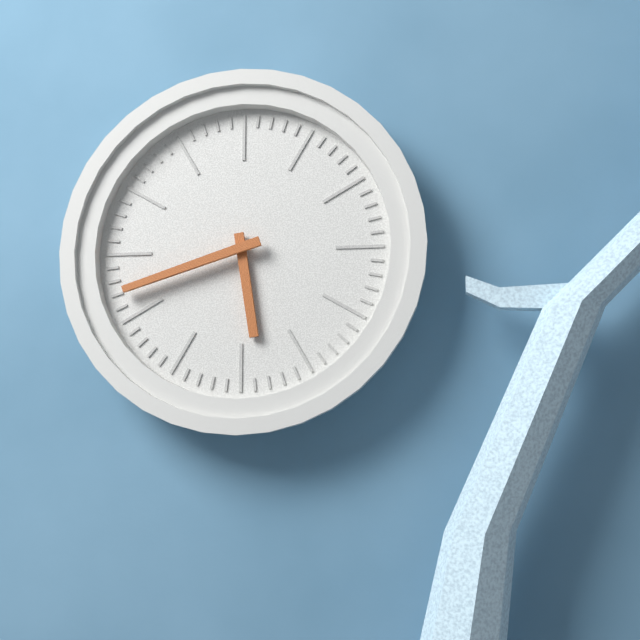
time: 5:42
